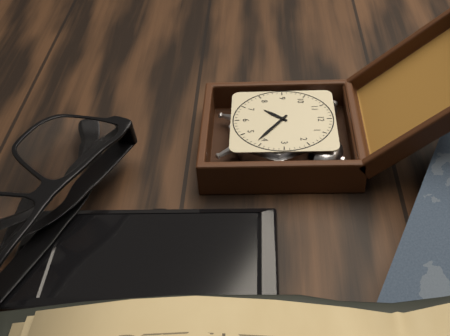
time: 7:21
